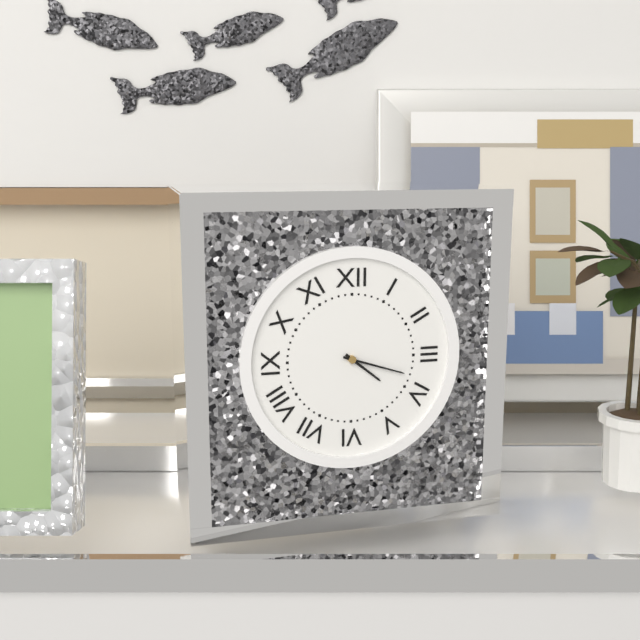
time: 4:18
